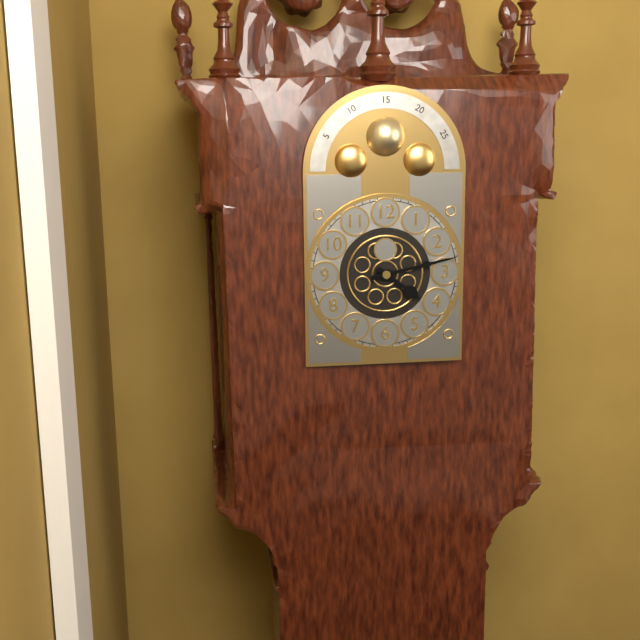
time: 4:13
